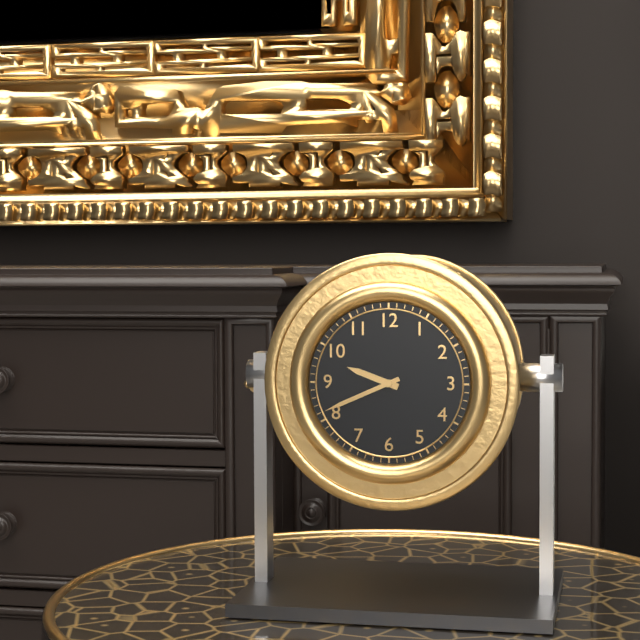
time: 9:41
